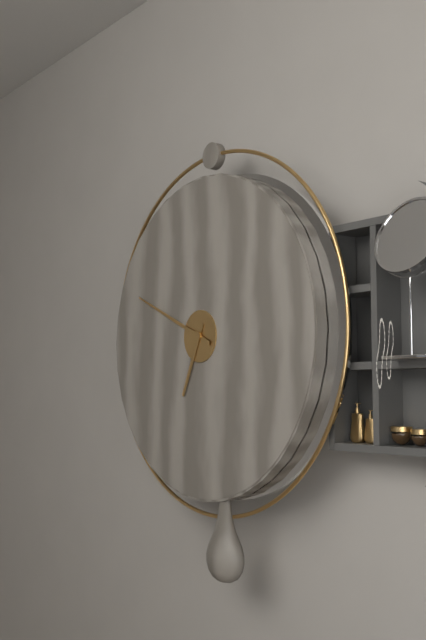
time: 6:49
